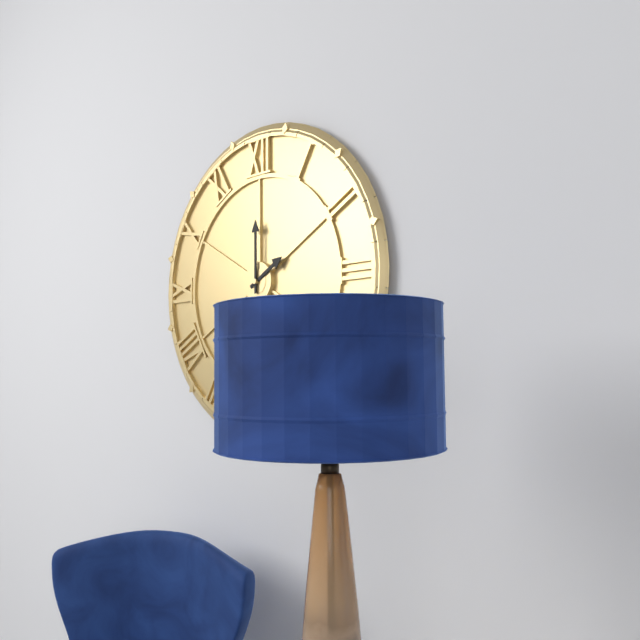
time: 2:00
